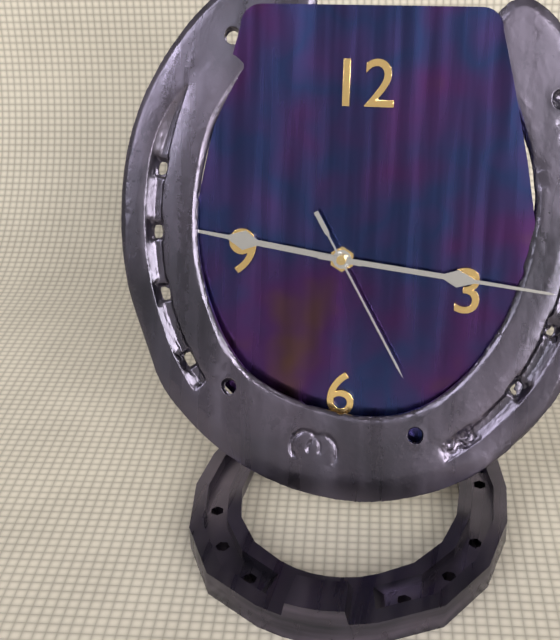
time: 9:16:25
